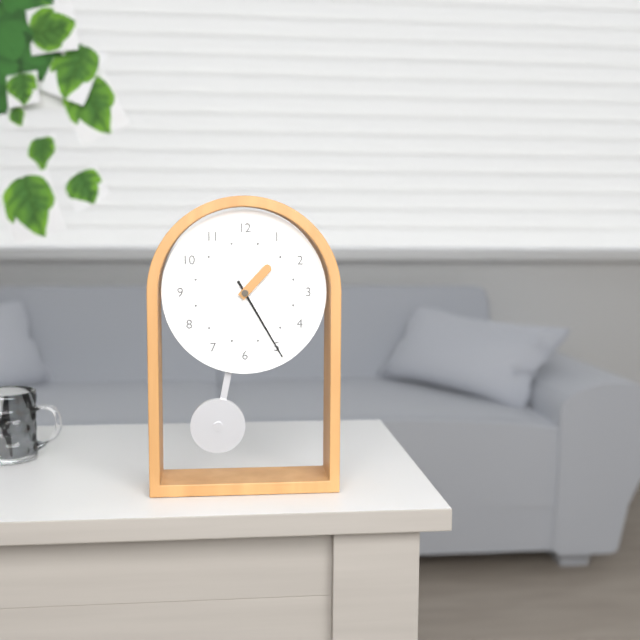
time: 1:25
